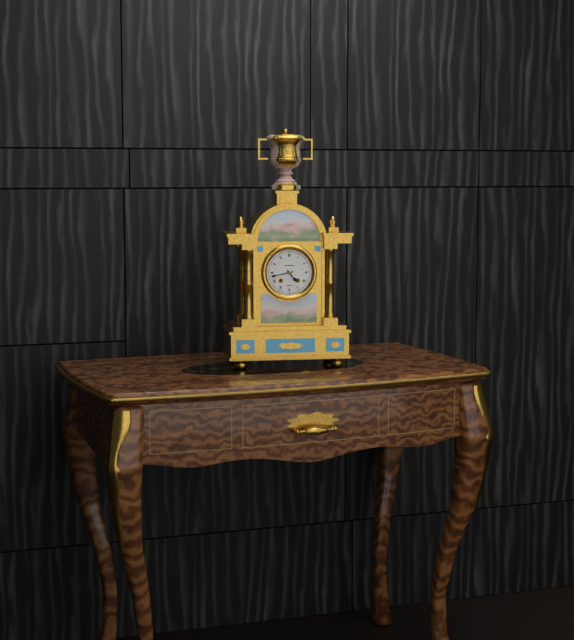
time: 4:43
